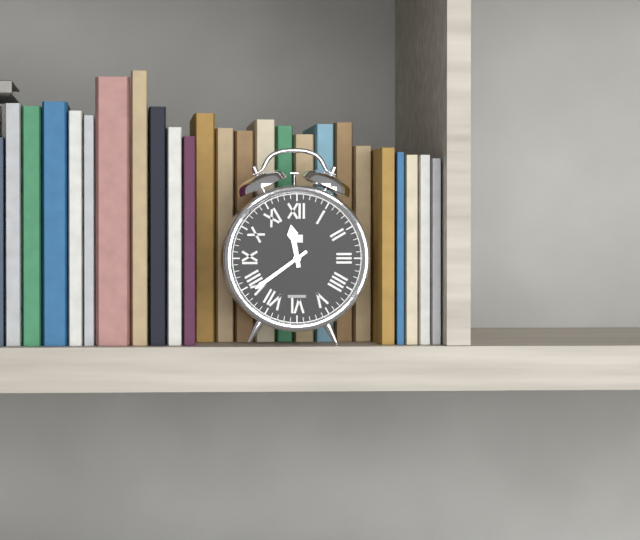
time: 11:39
